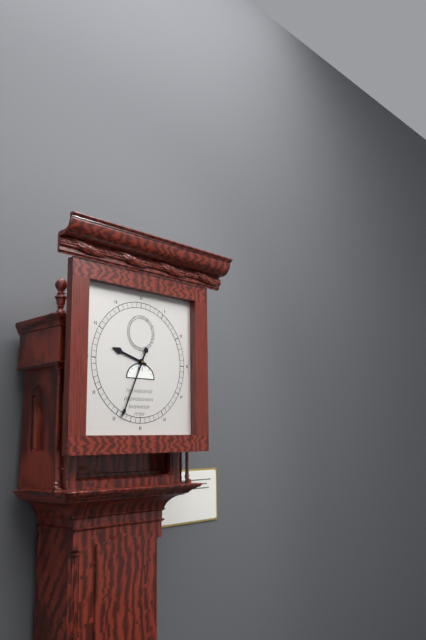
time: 9:34
